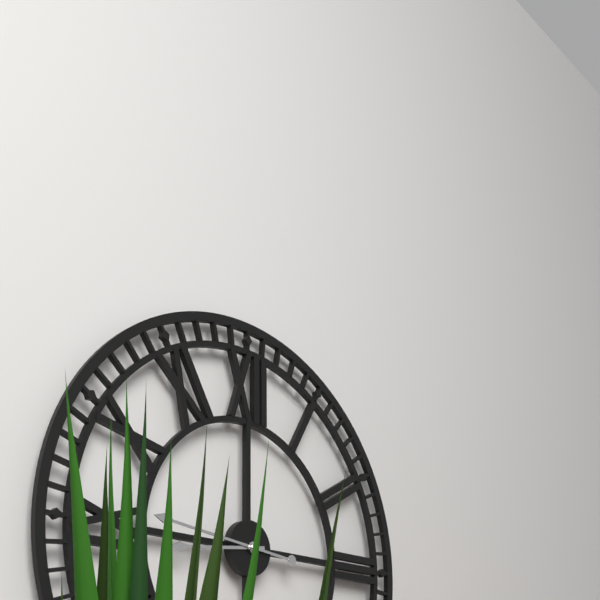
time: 8:46
